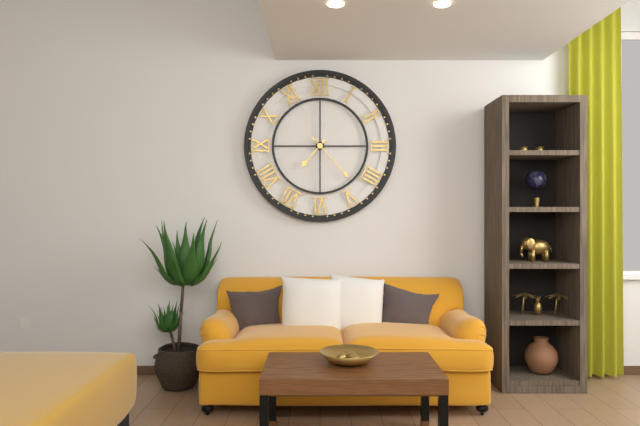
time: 7:23
